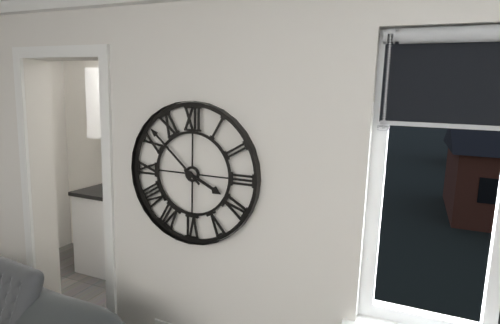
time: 3:52
